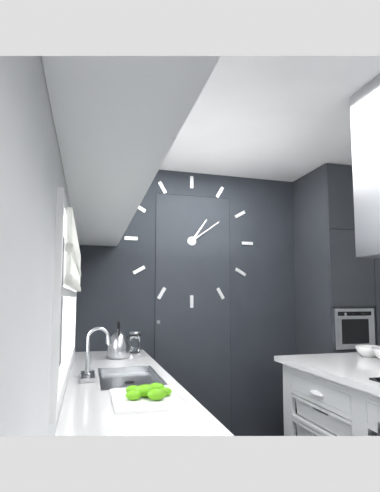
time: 1:09
